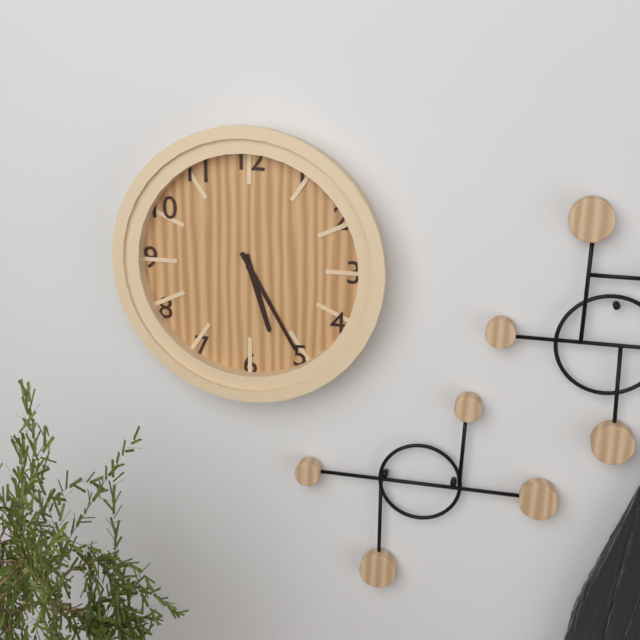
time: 5:25
